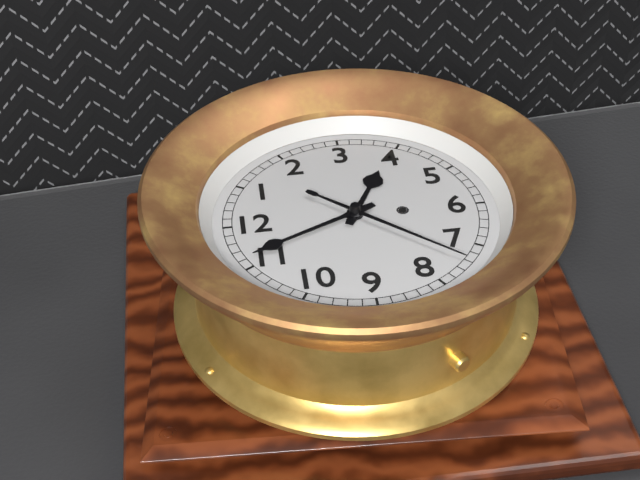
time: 3:56:37
